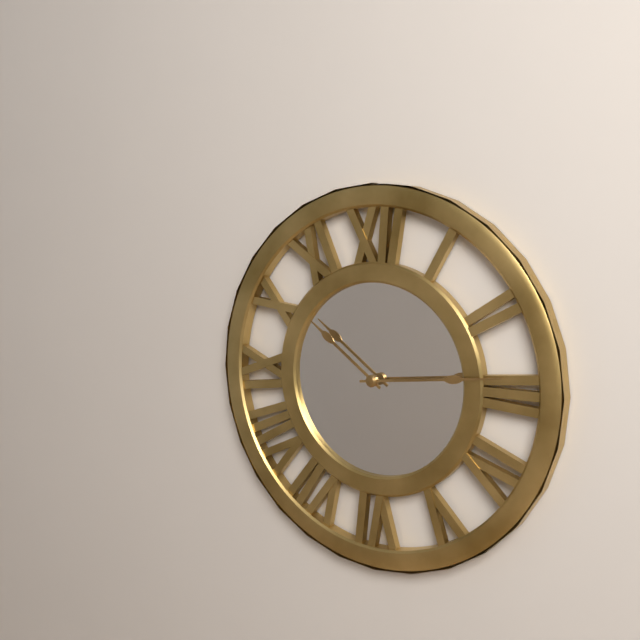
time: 10:14
